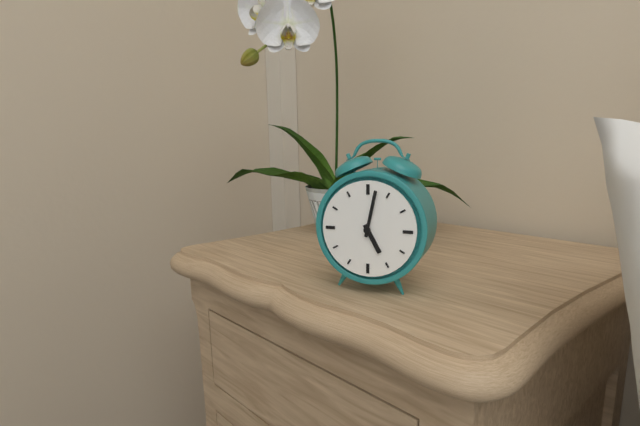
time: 5:02
